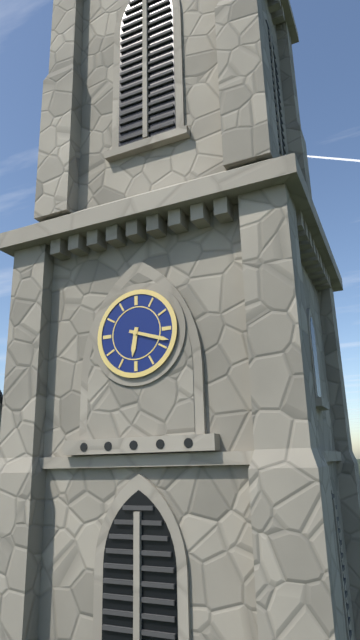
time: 6:18
